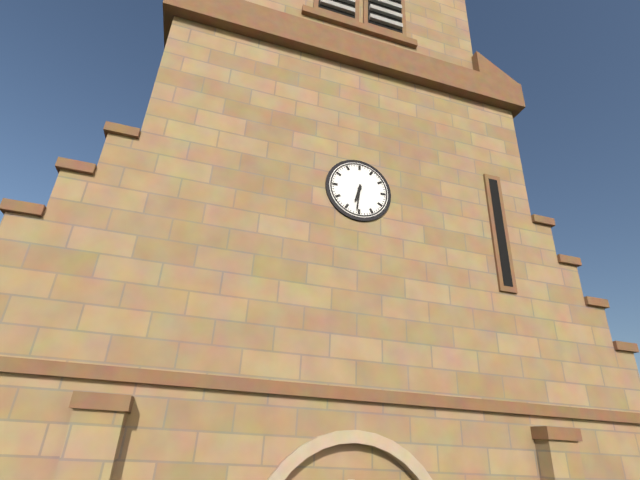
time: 6:31
